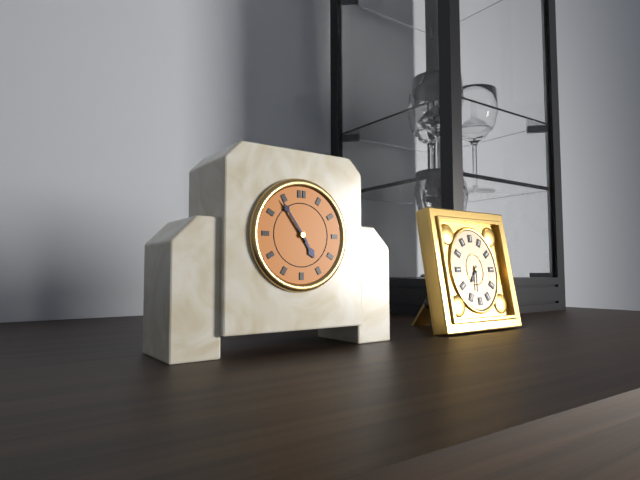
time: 4:54
